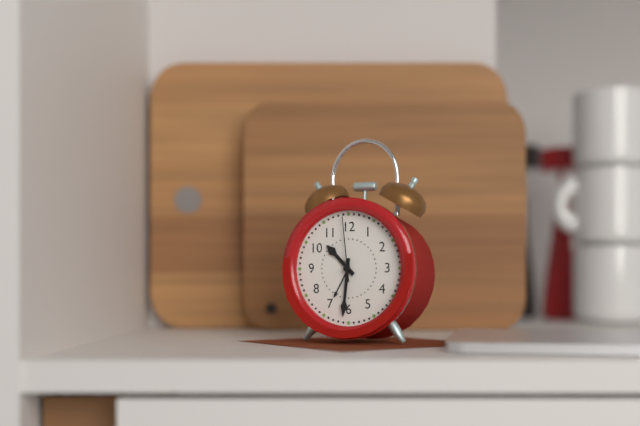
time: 10:31:59
